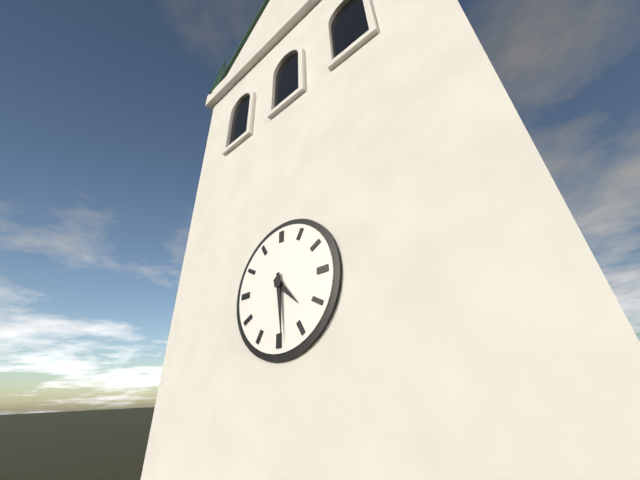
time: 4:29
